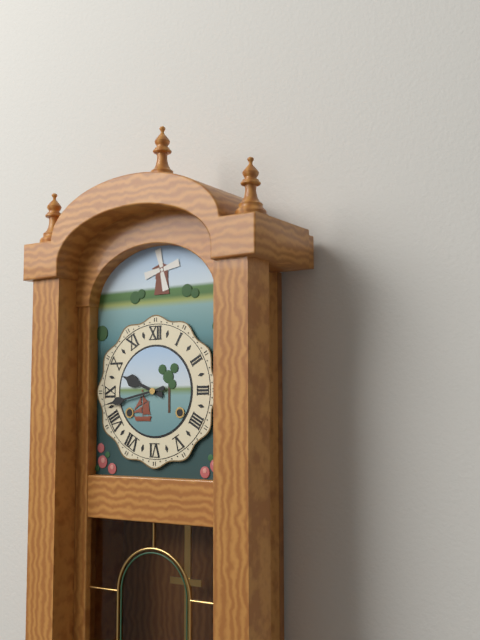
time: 9:43
